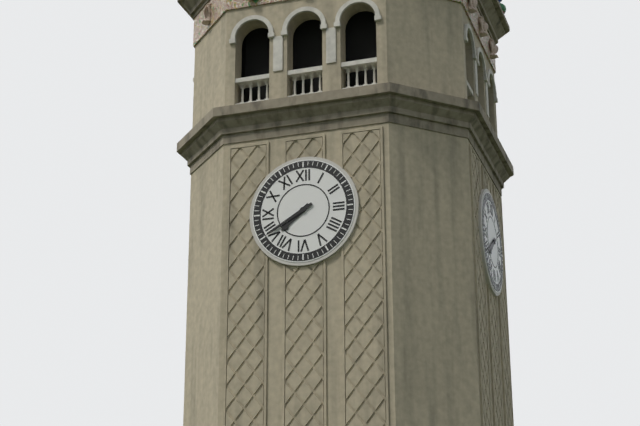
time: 7:40
